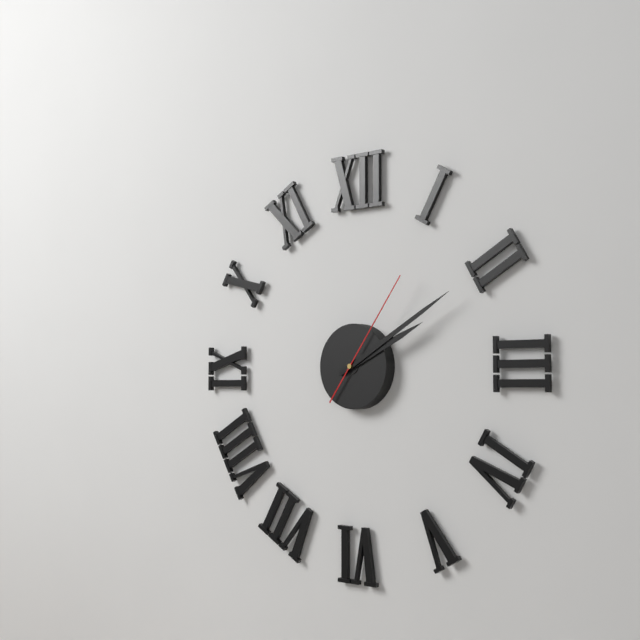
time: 2:10:06
